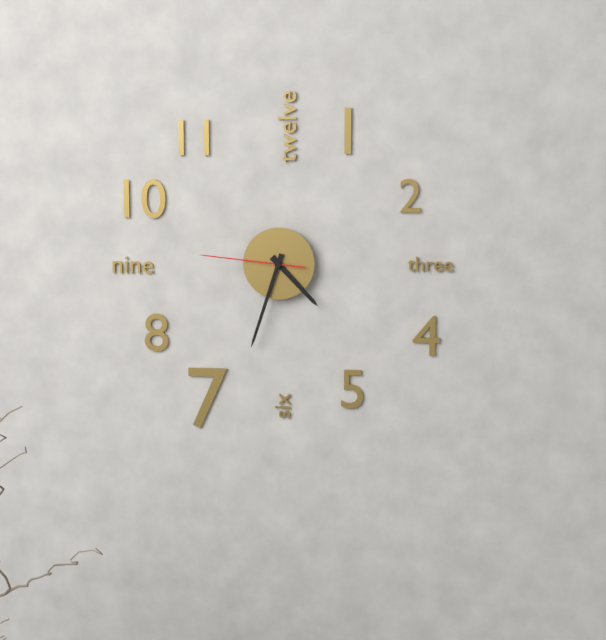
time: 4:33:46
